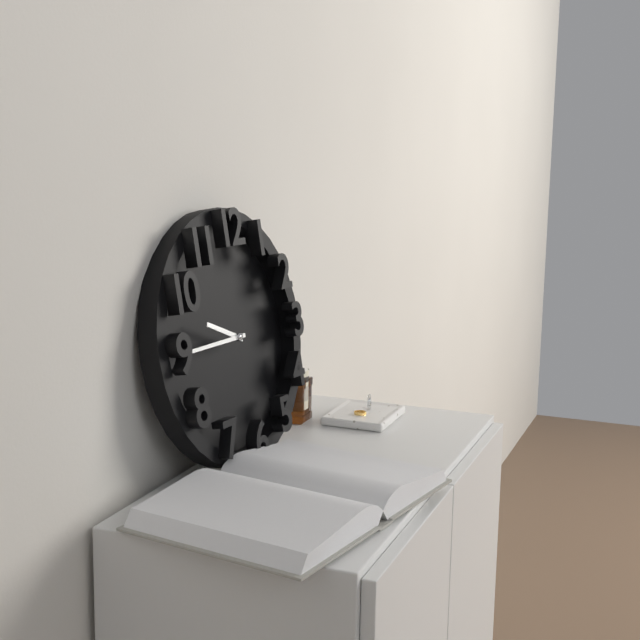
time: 9:45
